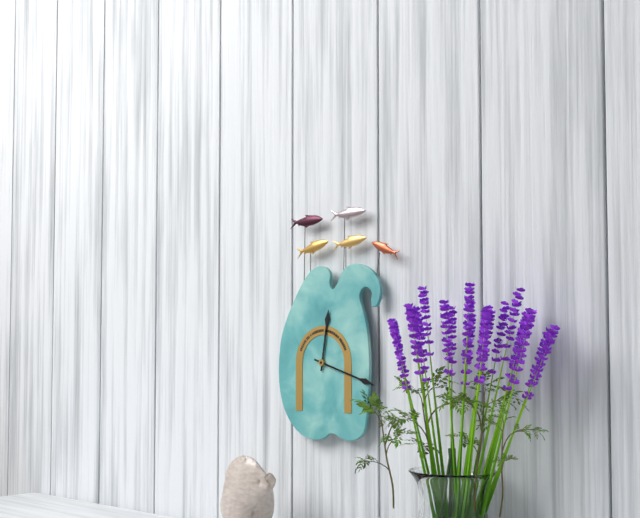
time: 12:18
